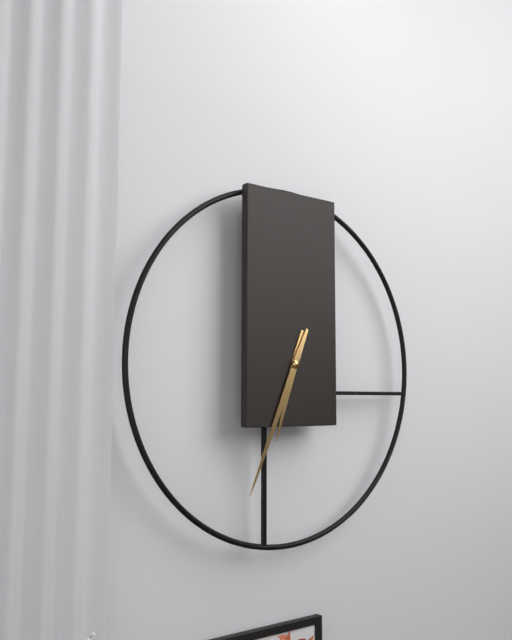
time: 6:34
